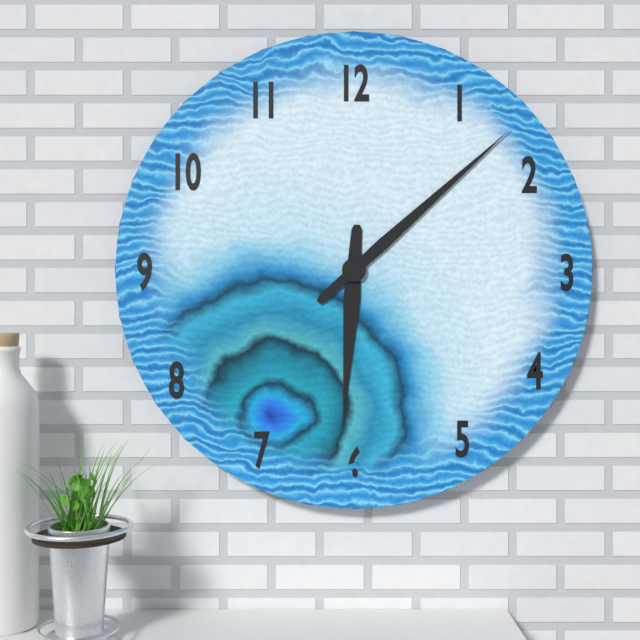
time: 6:08
